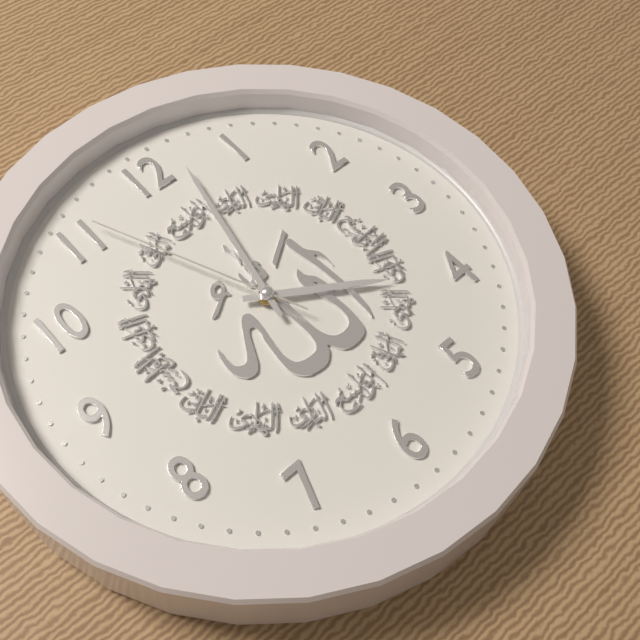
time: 4:02:56
